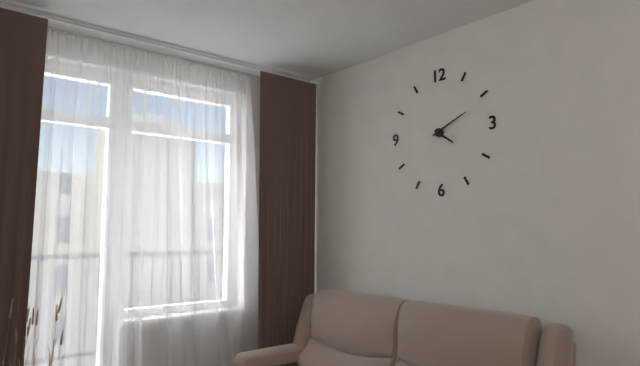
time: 4:11
